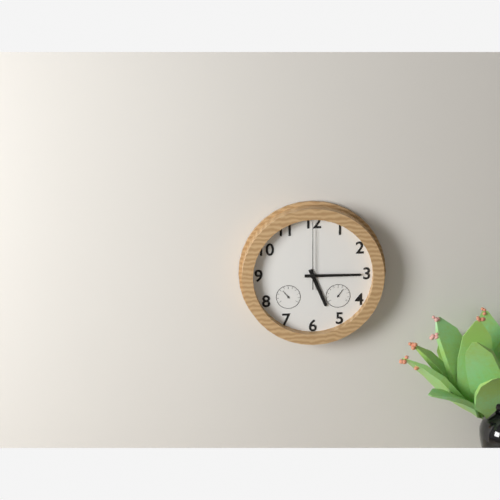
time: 5:15:00
